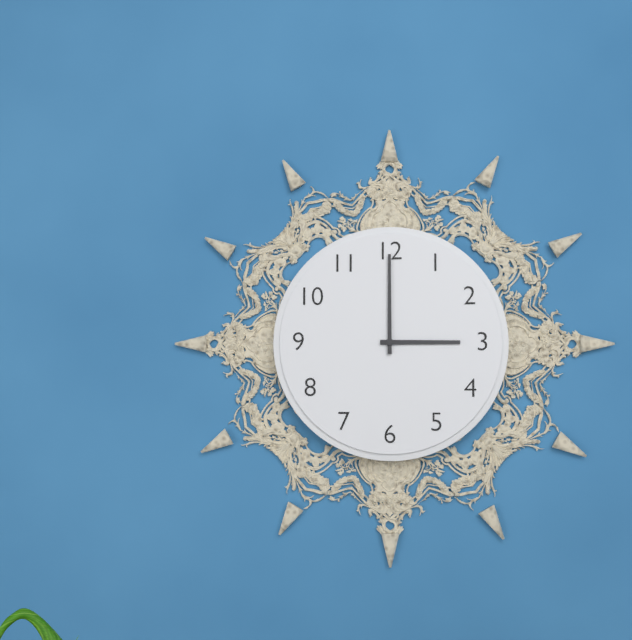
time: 3:00
